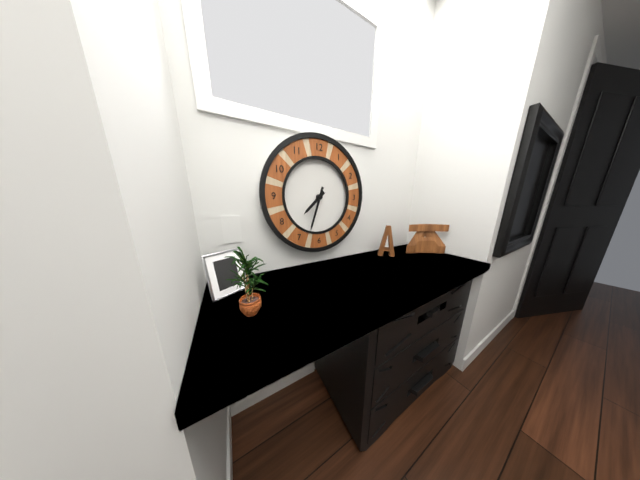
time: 7:33
